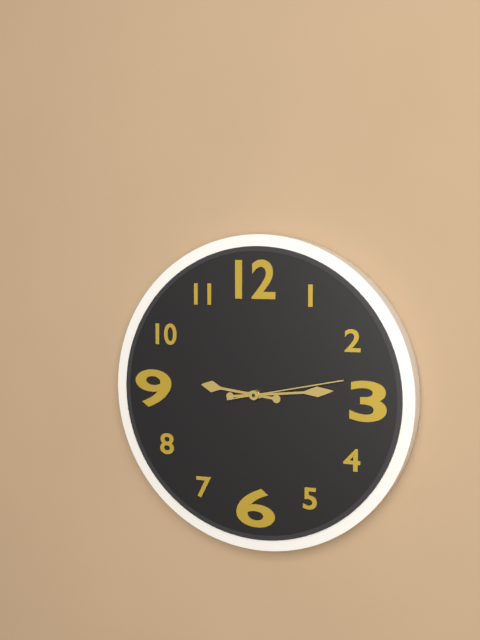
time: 9:14:13
